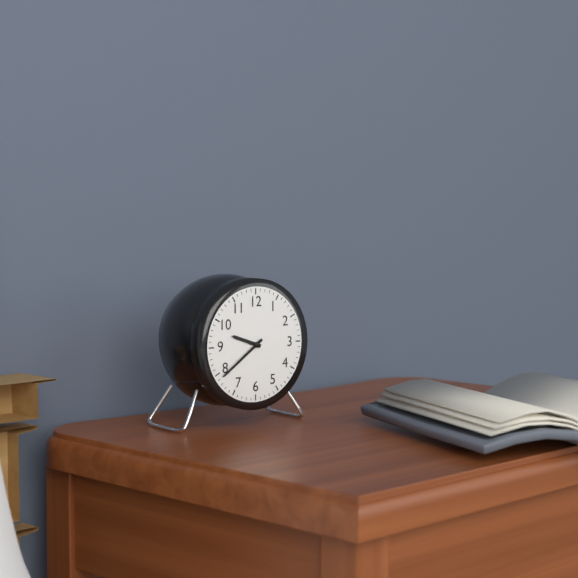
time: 9:39
